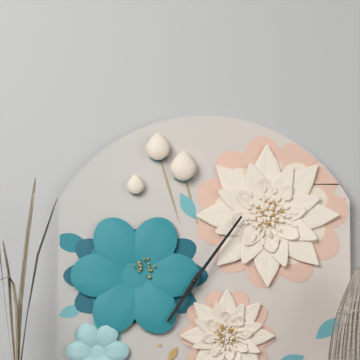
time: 7:06
